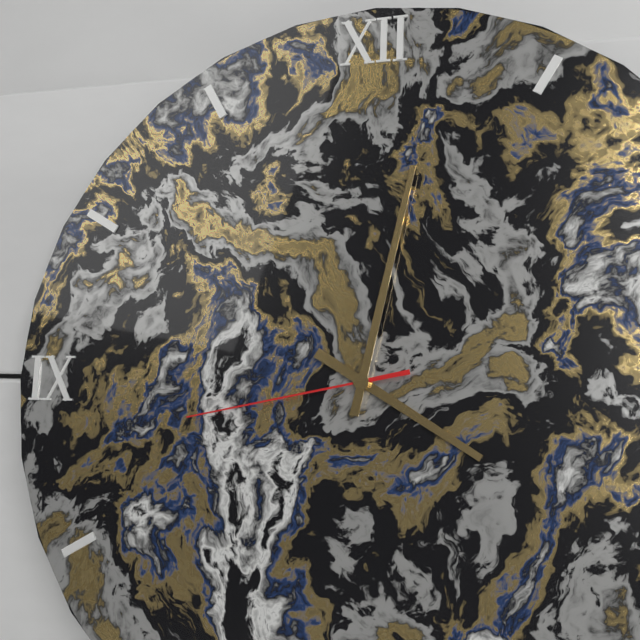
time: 4:02:43
